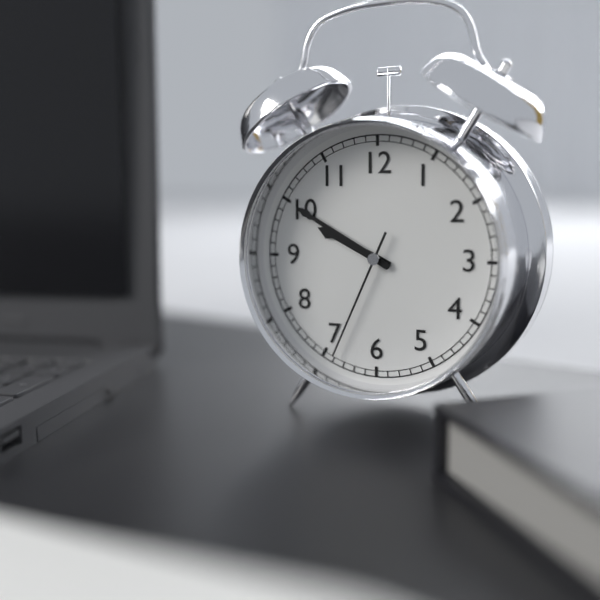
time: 9:50:34
